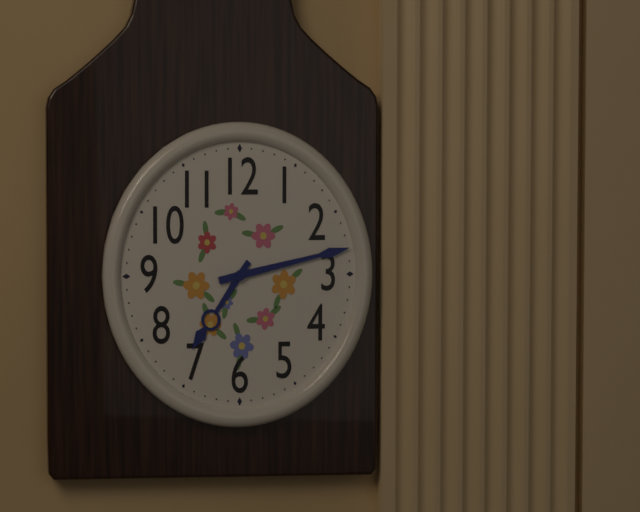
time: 7:13
